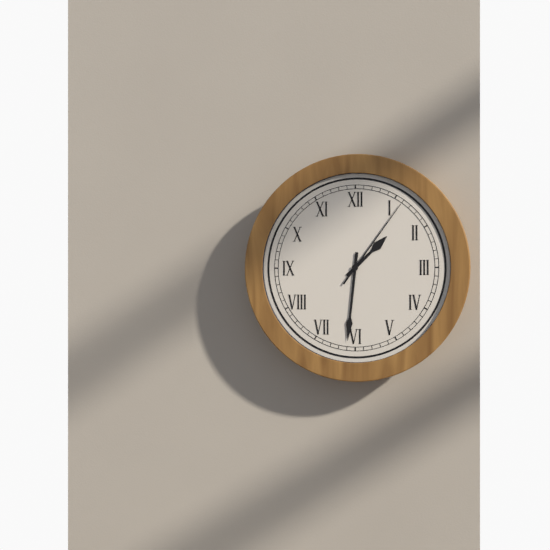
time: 1:31:06
